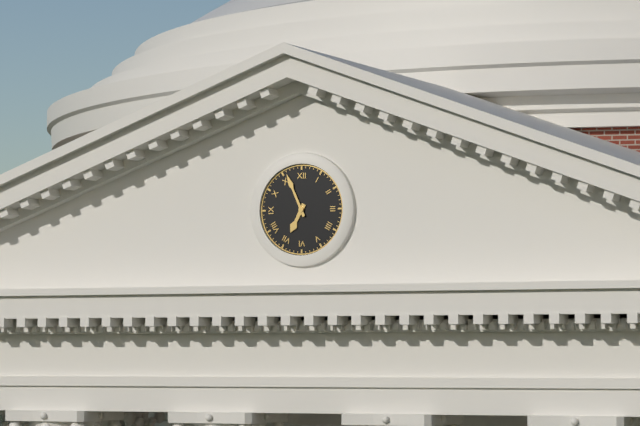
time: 6:56
